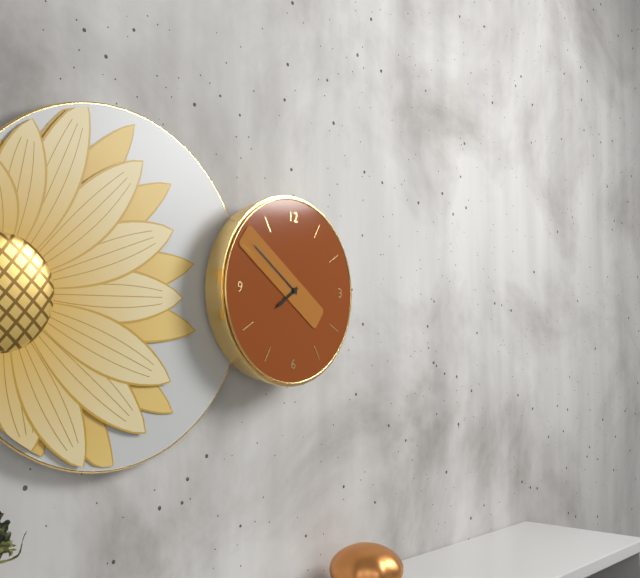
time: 7:51
